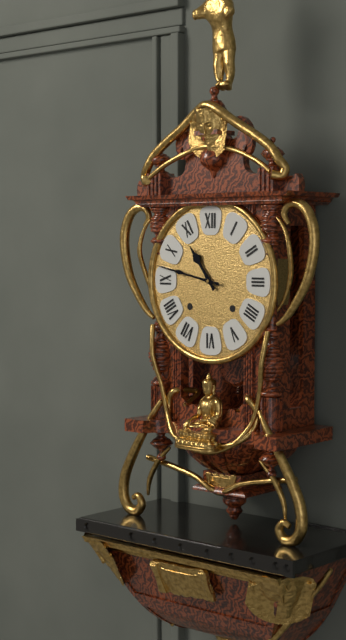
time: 10:47
